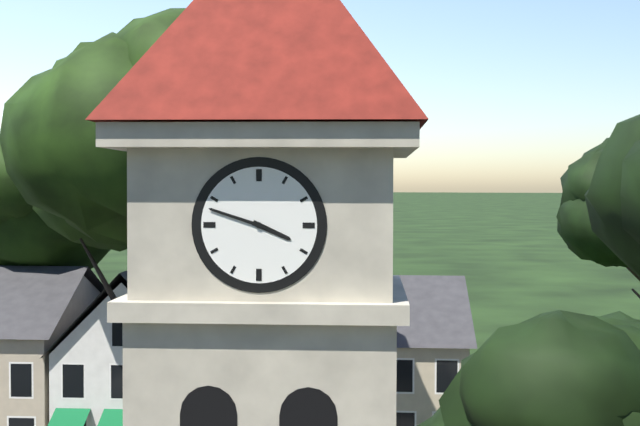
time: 3:48
